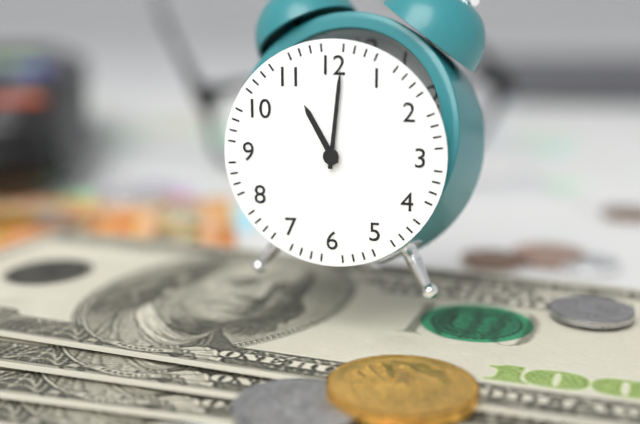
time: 11:01
